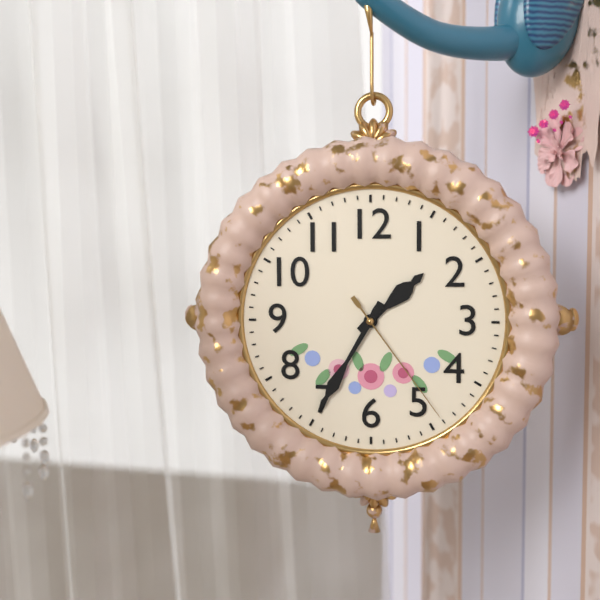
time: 1:35:24
